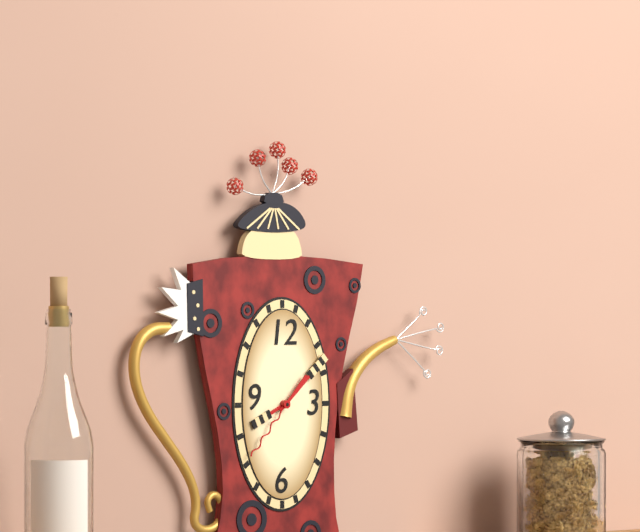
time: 8:08:37
